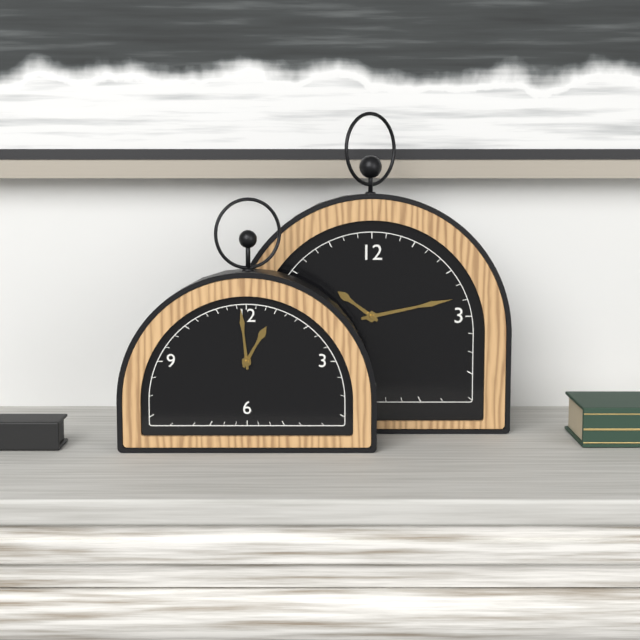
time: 12:59
